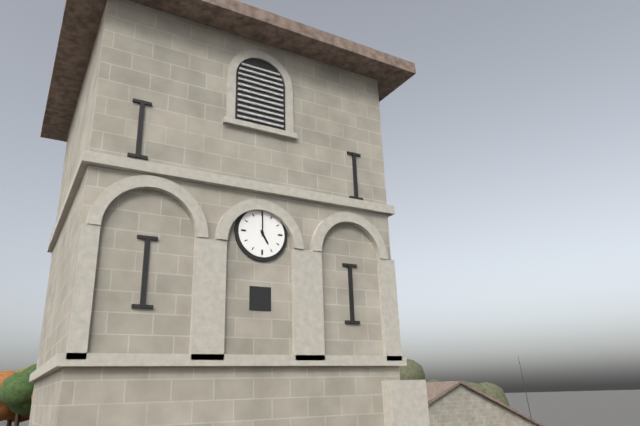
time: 5:00
